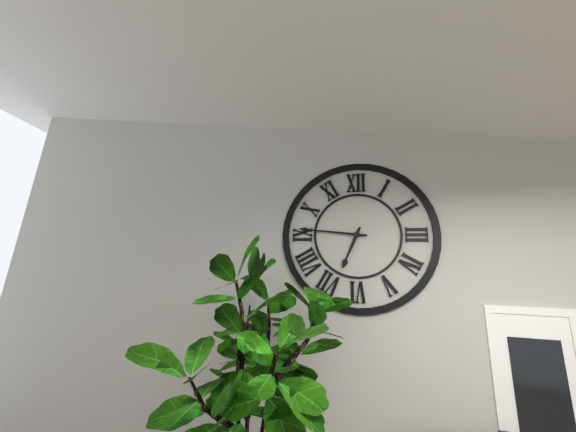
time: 6:46
